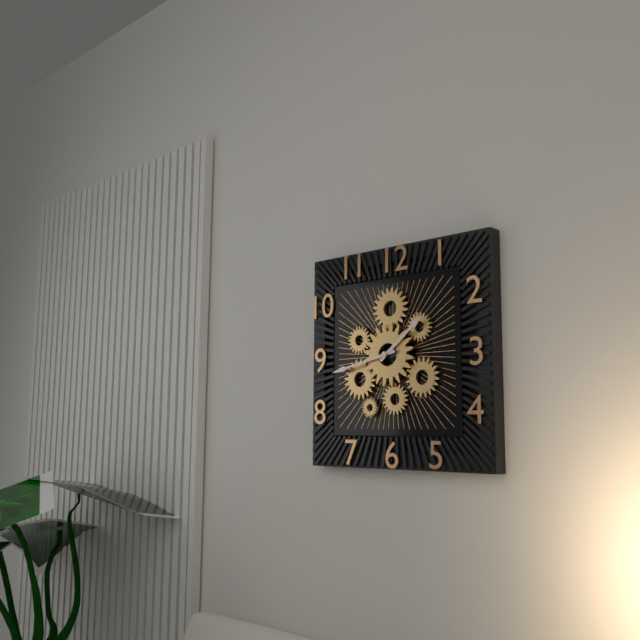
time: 1:43
